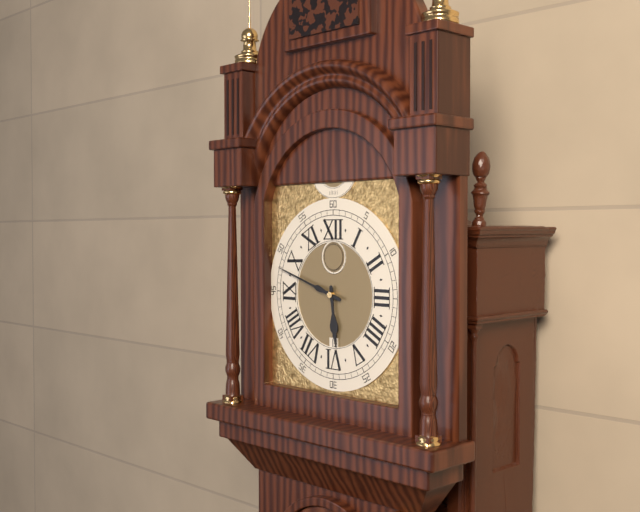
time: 5:48
